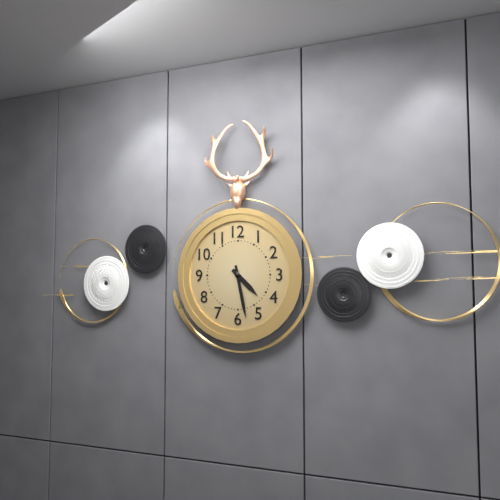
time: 4:28
